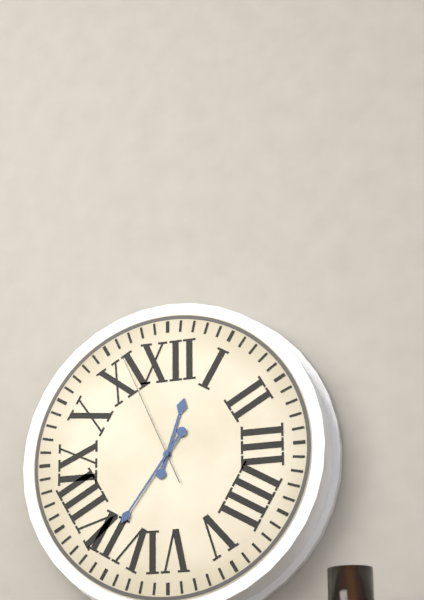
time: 12:36:56
